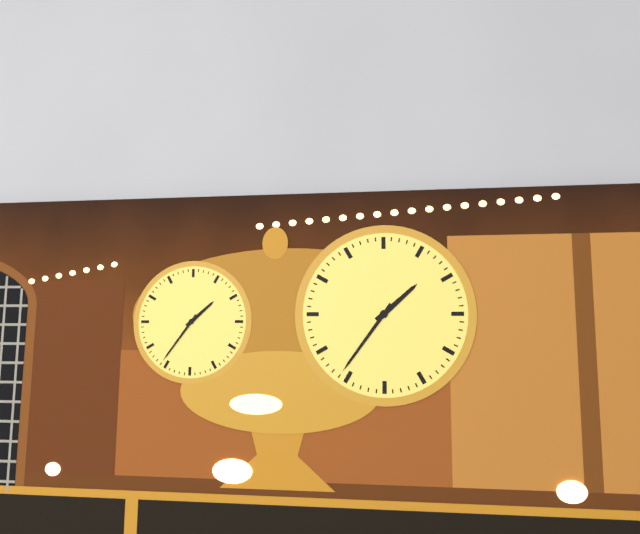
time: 1:36
